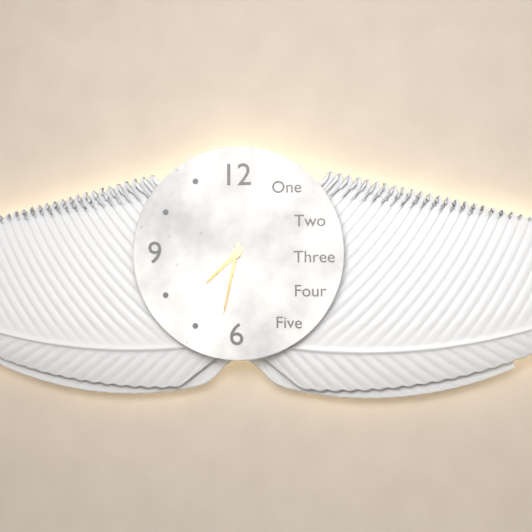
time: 7:32
